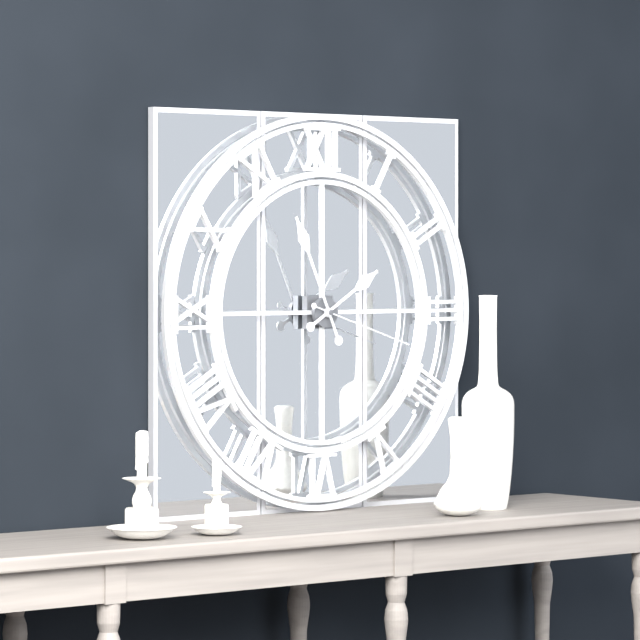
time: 1:56:18
